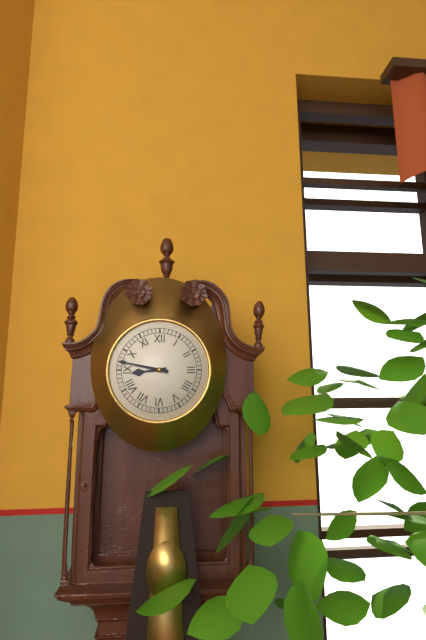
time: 8:47
